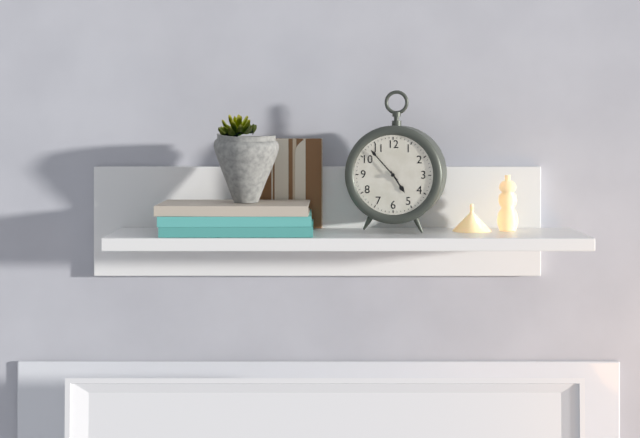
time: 4:53
